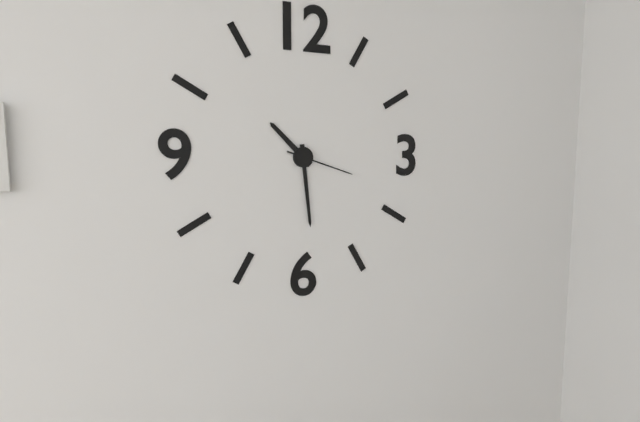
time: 10:29:18
